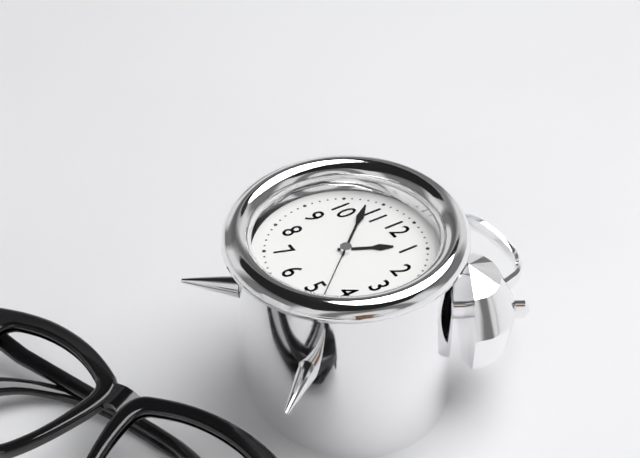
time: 12:53:23
